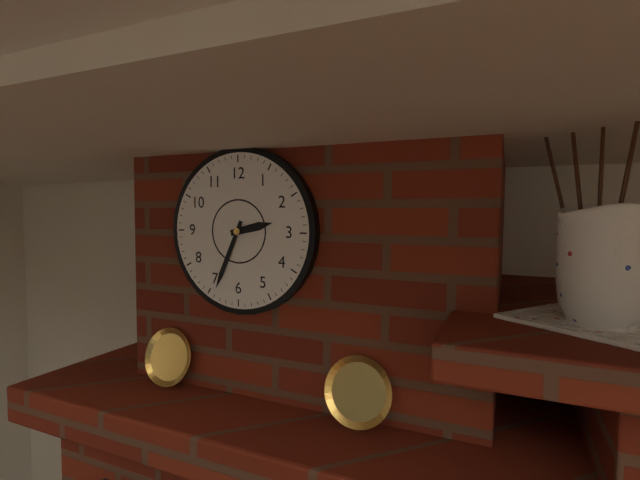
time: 2:34
